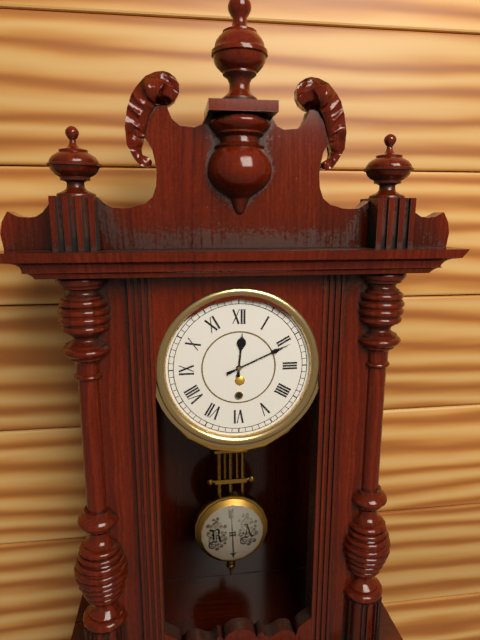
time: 12:11
